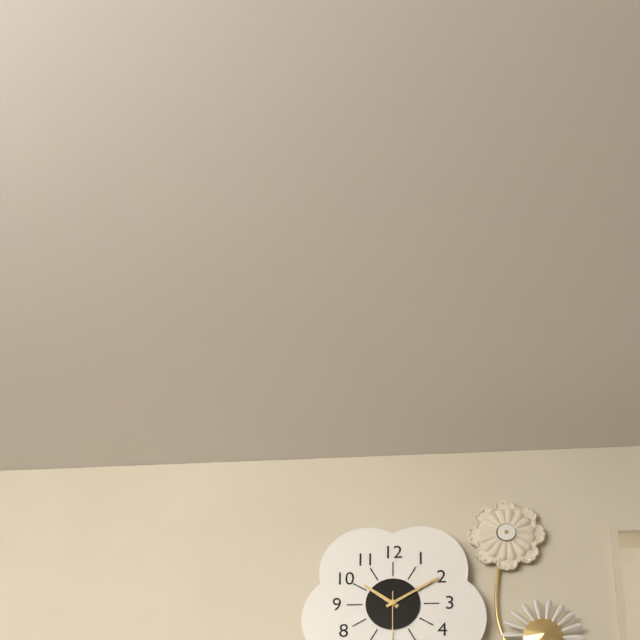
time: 10:10
